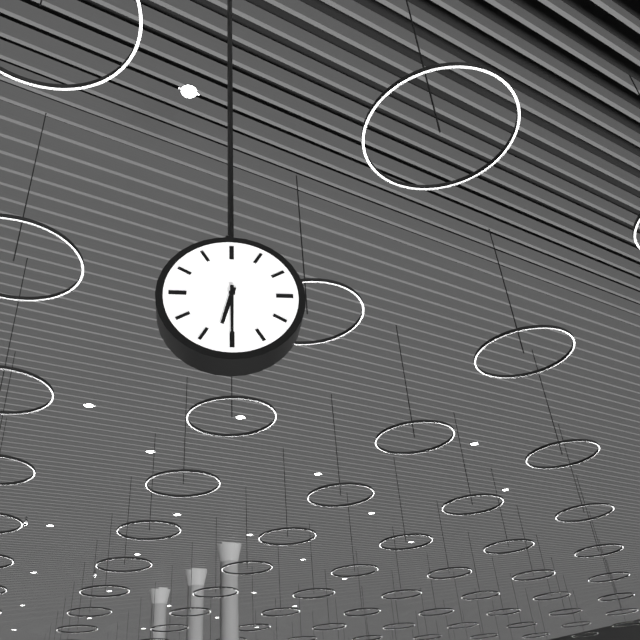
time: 6:30
